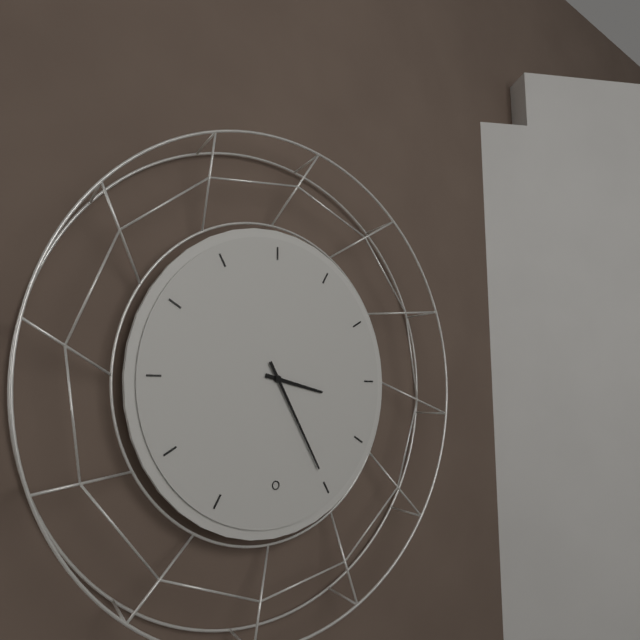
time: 3:25
